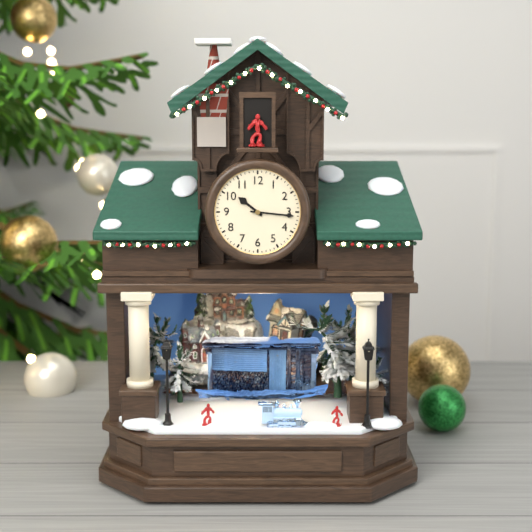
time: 10:16
